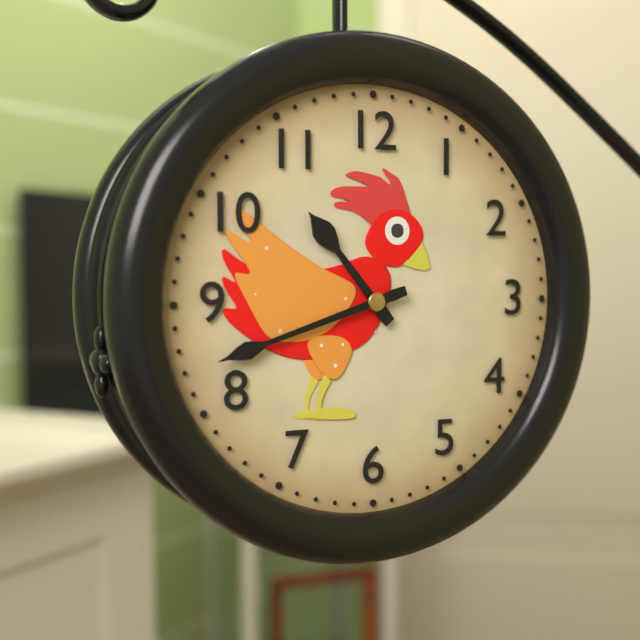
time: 10:42
